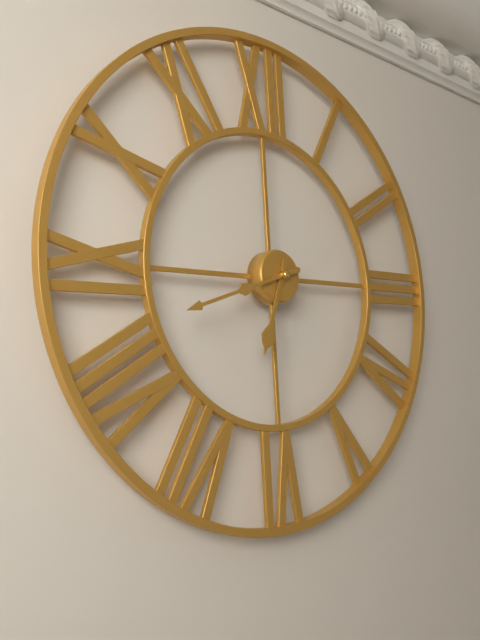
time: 6:42
